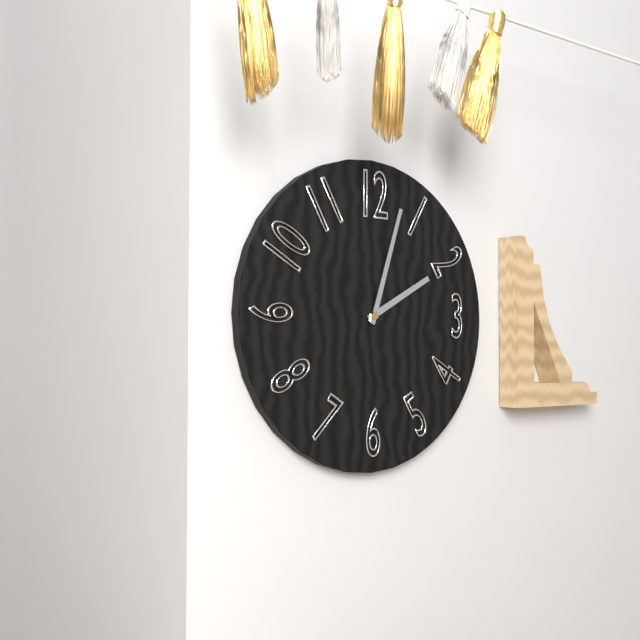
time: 2:03
